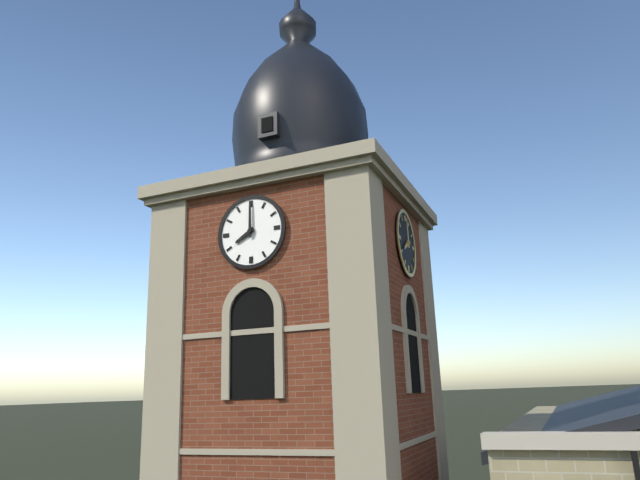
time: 8:00
